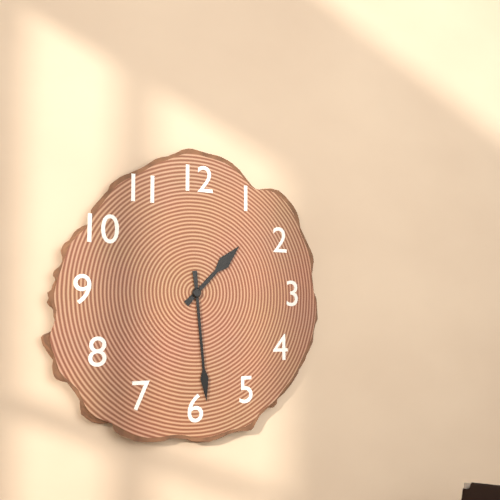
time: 1:29
